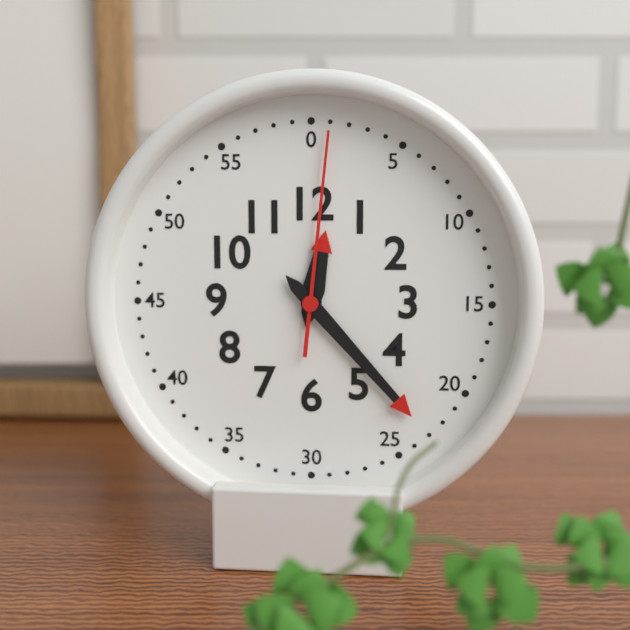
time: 12:23:01
